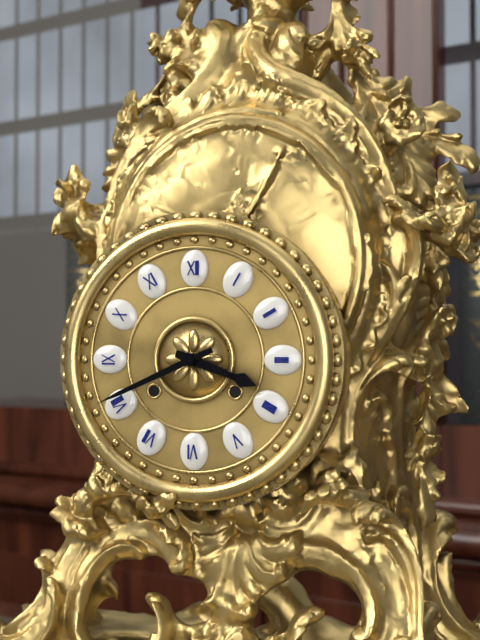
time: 3:41
